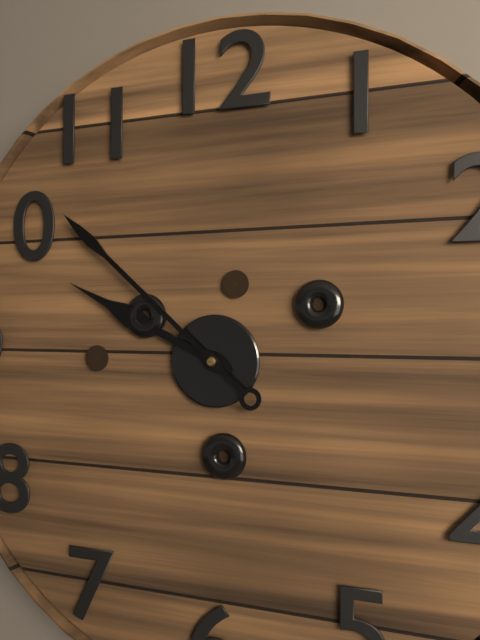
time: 9:52
